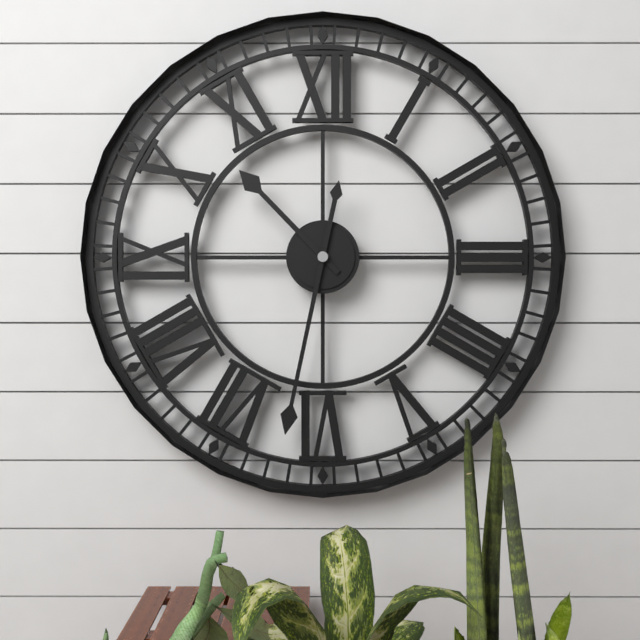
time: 10:32
